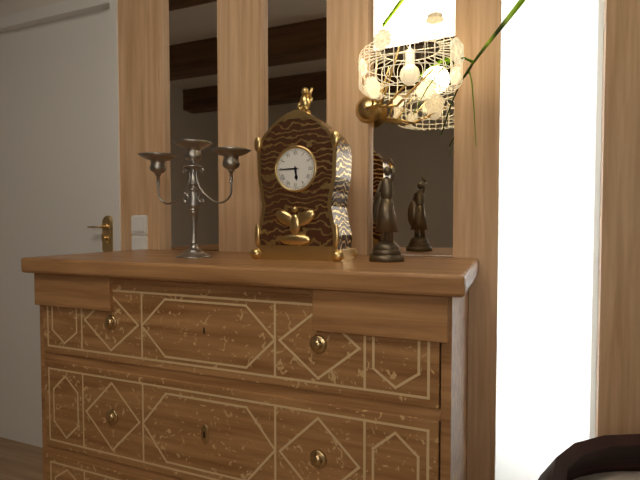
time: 5:45
